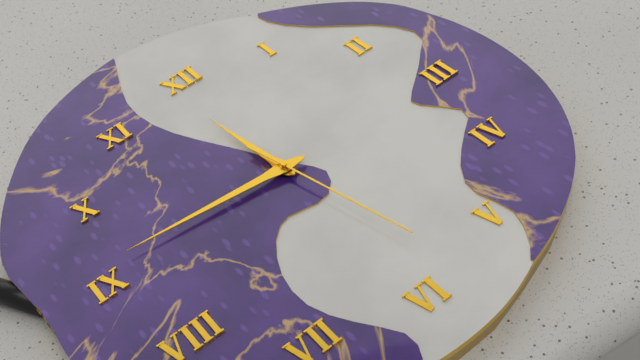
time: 11:46:28
